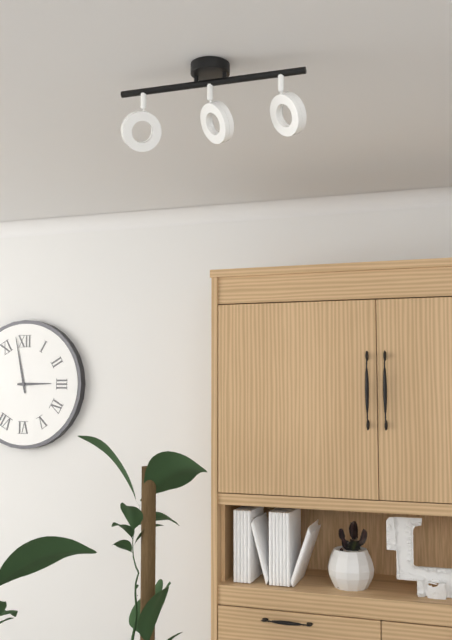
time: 2:58
